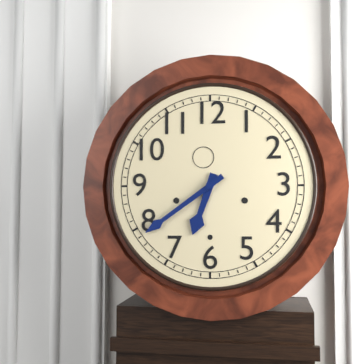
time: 6:39
